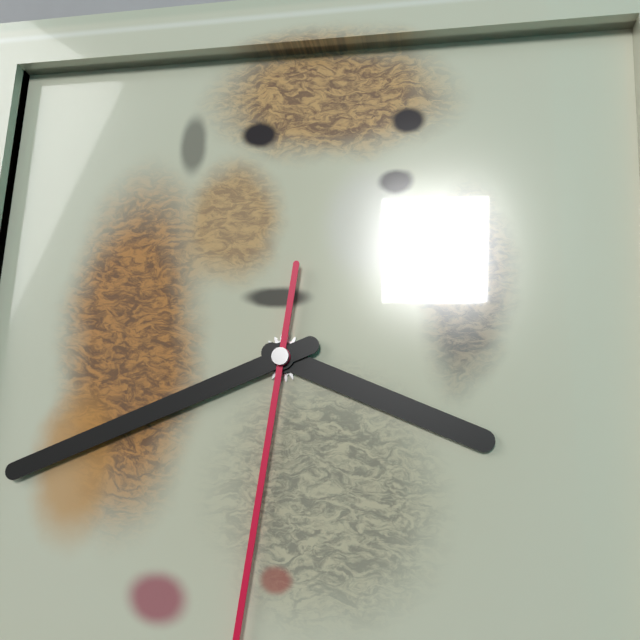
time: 3:41
